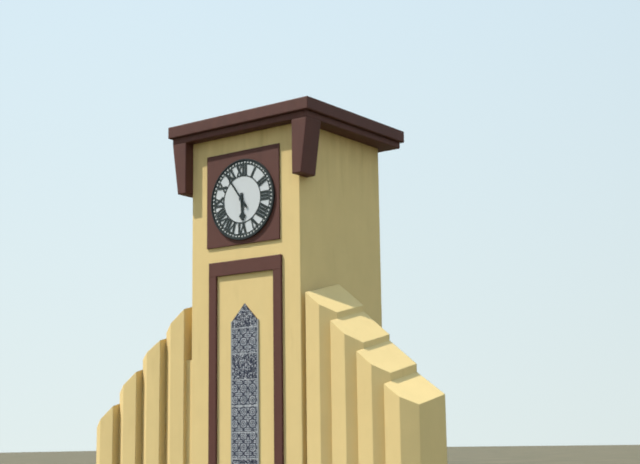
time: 5:54
